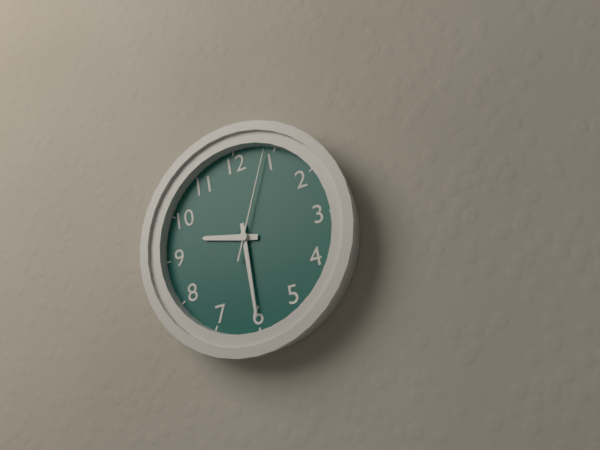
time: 9:30:04
